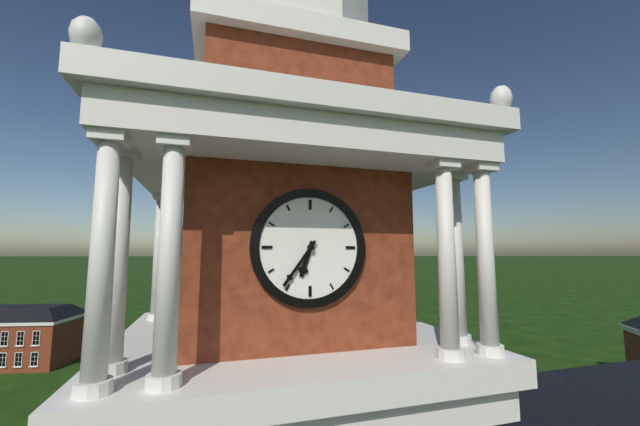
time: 6:36
